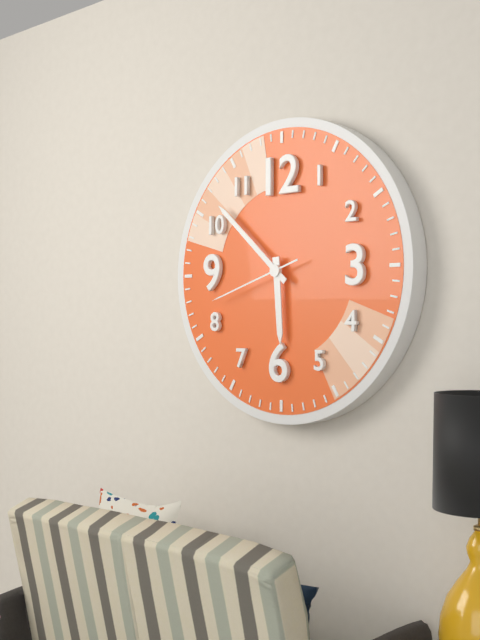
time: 5:52:42
